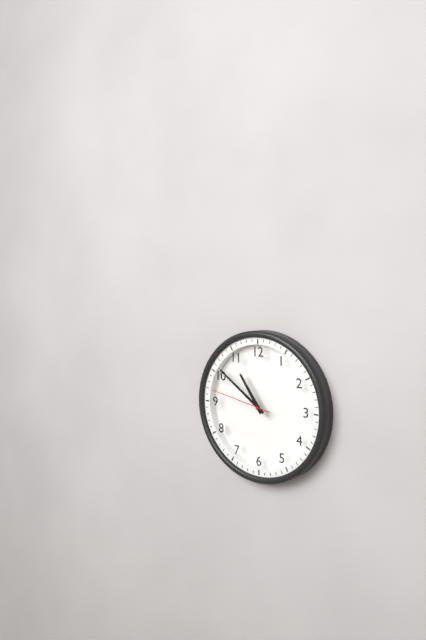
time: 10:51:47
